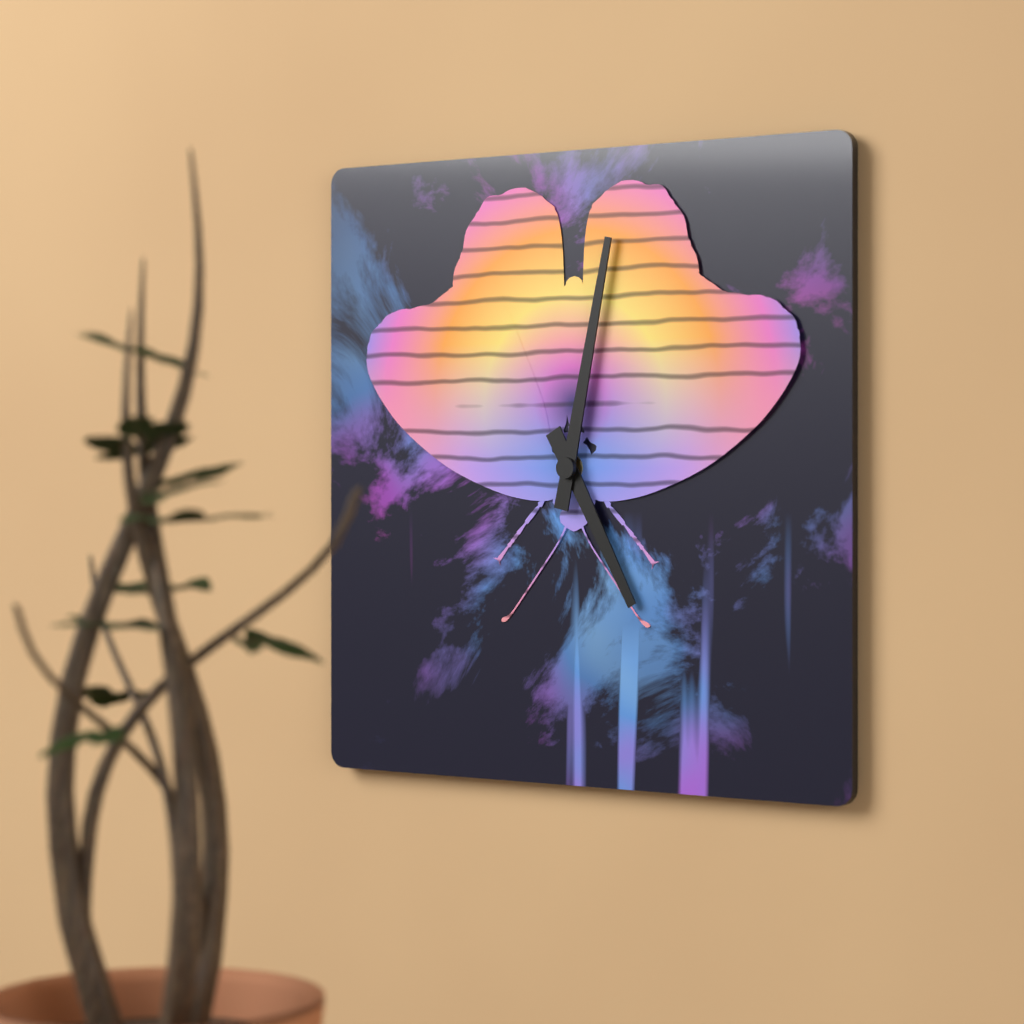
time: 5:02
